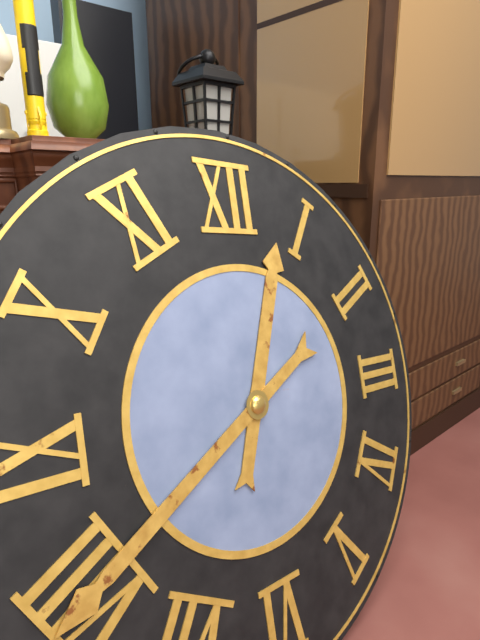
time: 12:40
